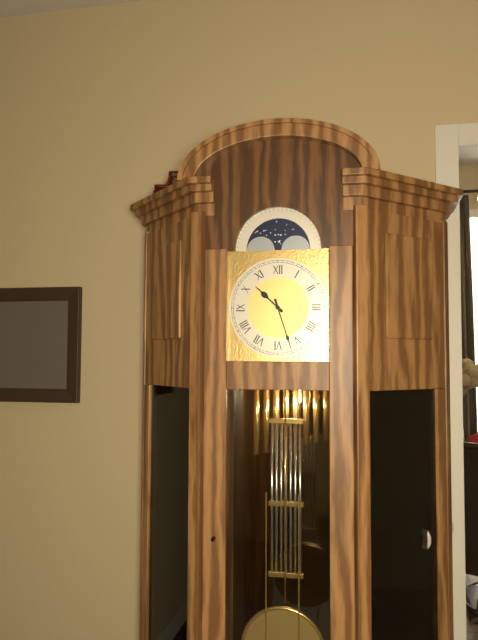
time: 10:27
